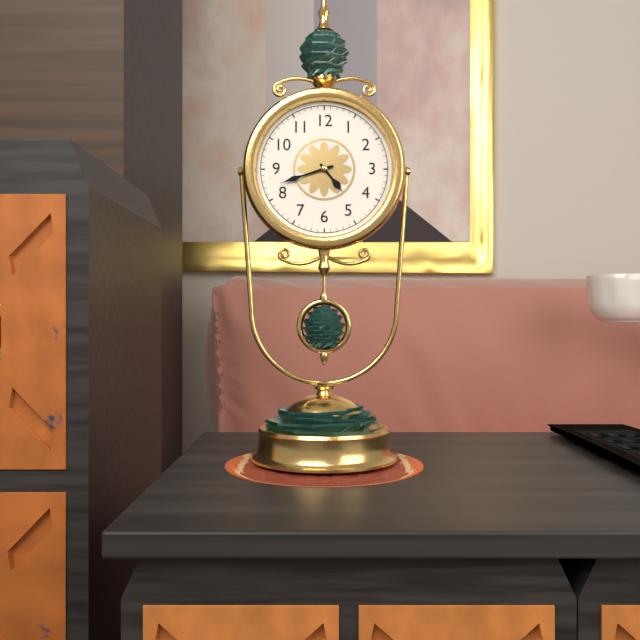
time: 4:42
